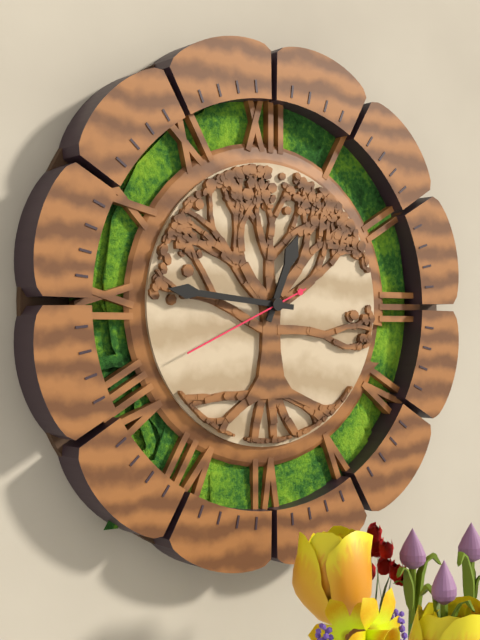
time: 12:46:41
